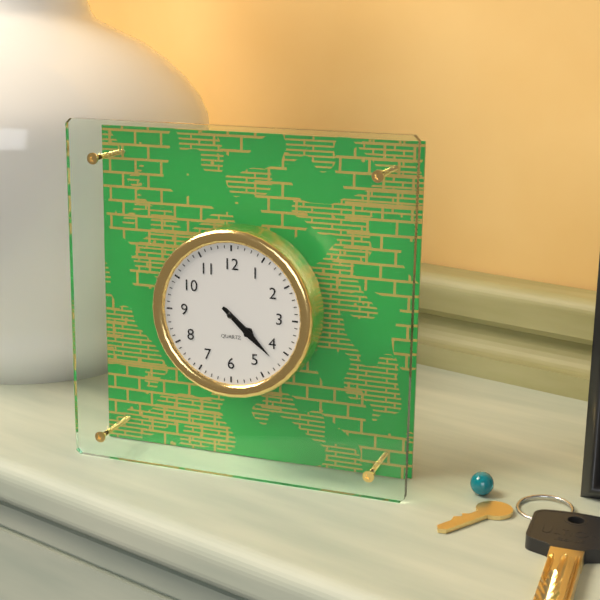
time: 4:22
